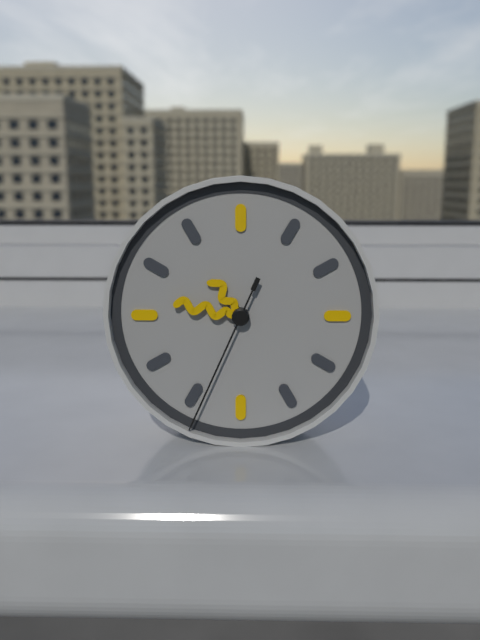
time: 10:47:34
